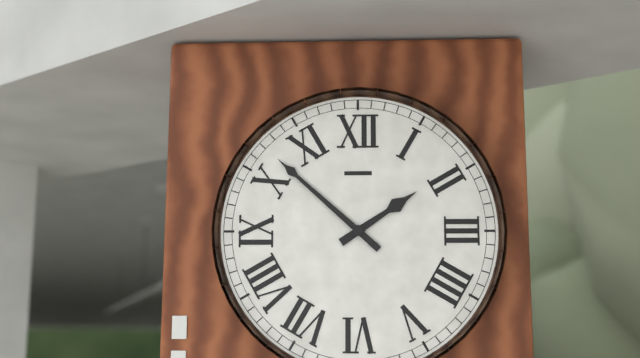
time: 1:52
